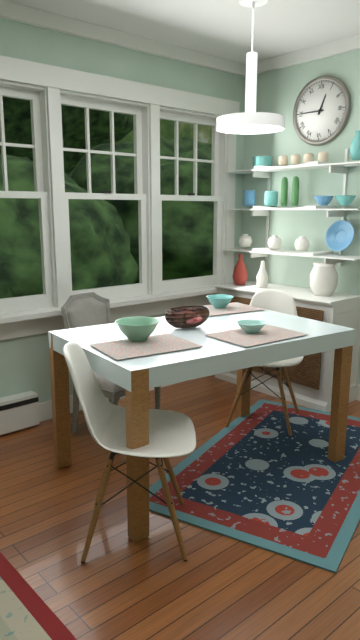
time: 12:45
